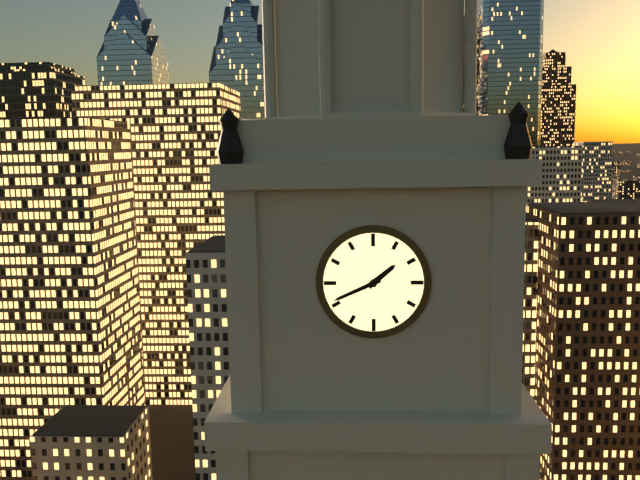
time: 1:41
